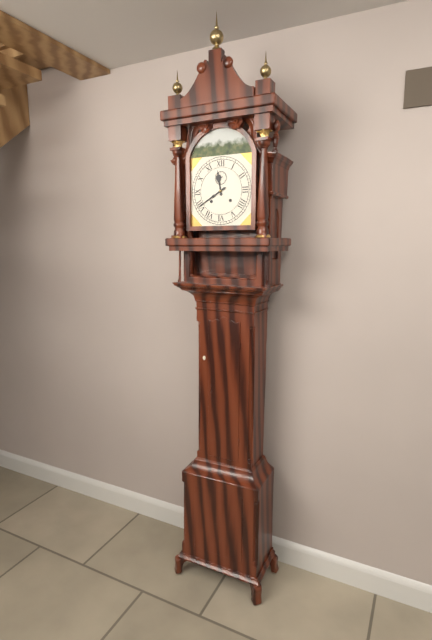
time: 11:40
